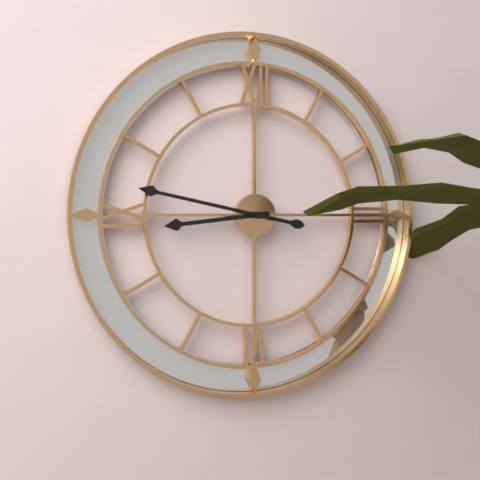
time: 8:47
